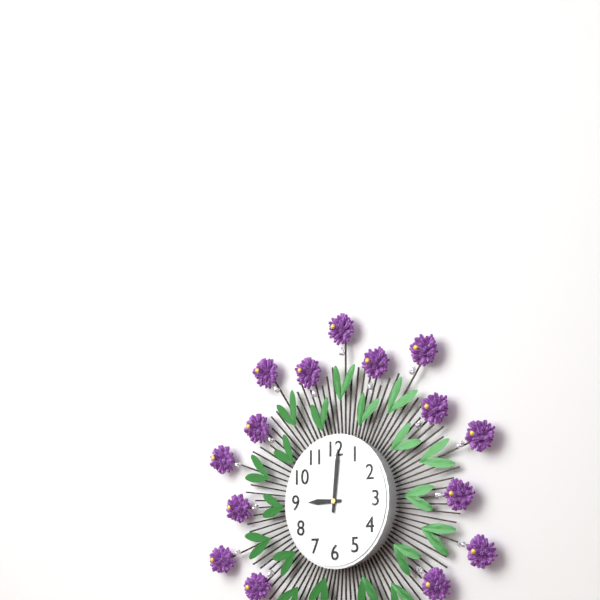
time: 9:01
